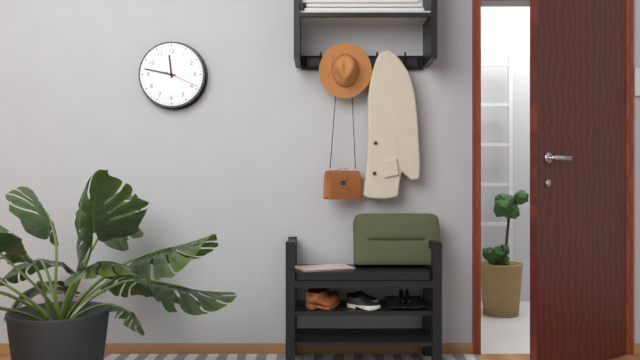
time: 11:47
